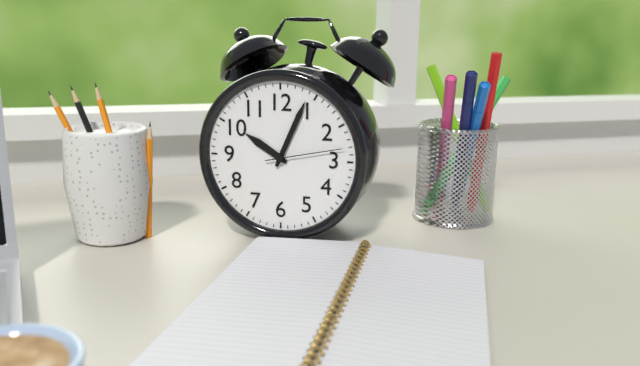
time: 10:04:13
